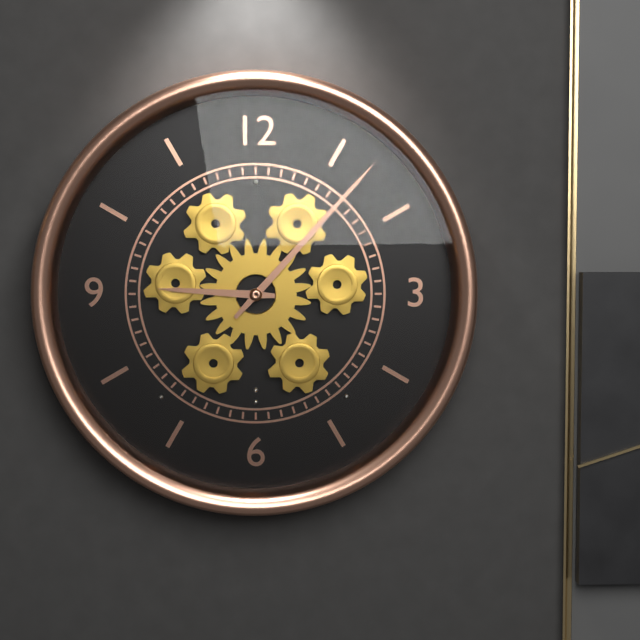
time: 9:07
